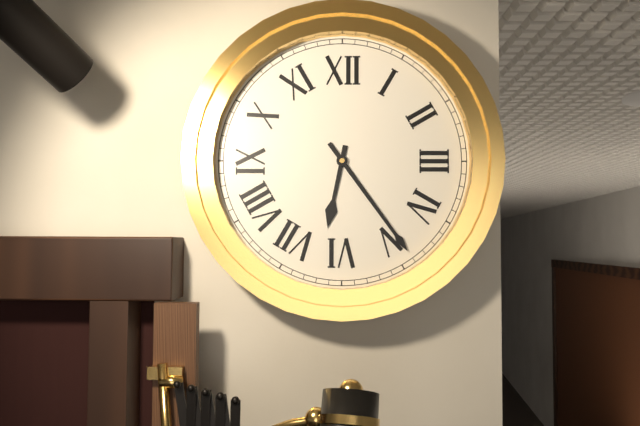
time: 6:24
